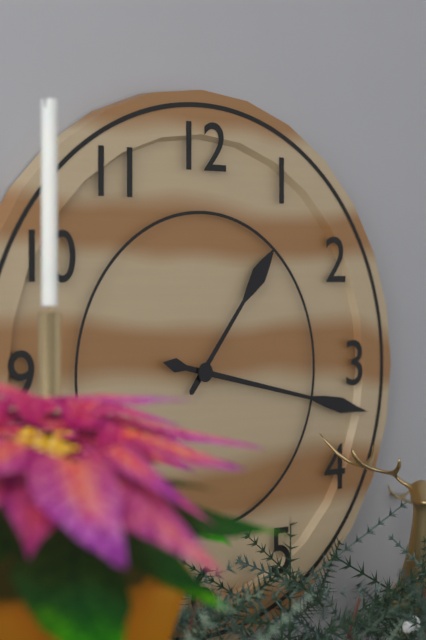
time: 1:17
